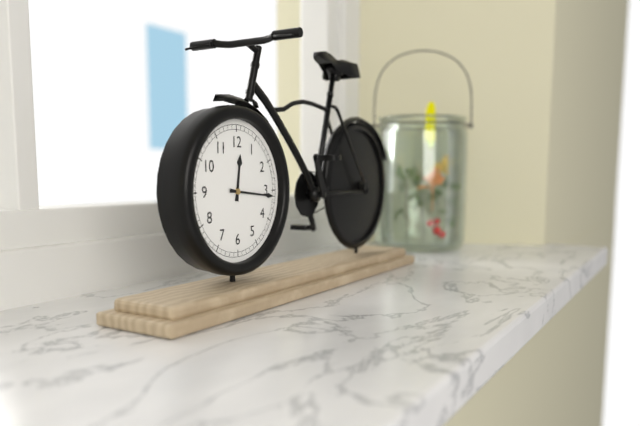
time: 12:16
